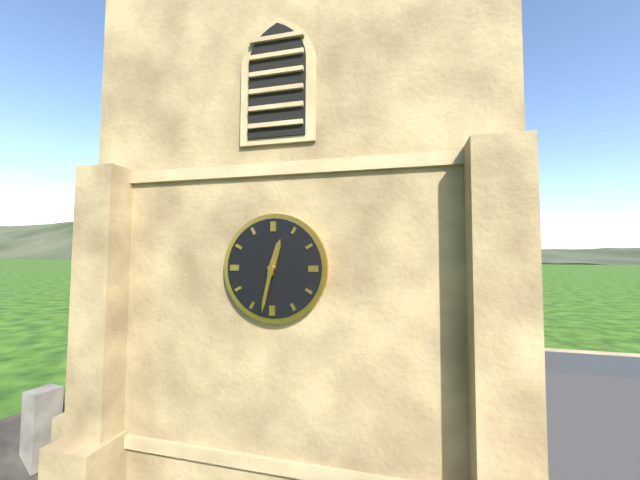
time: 12:32
